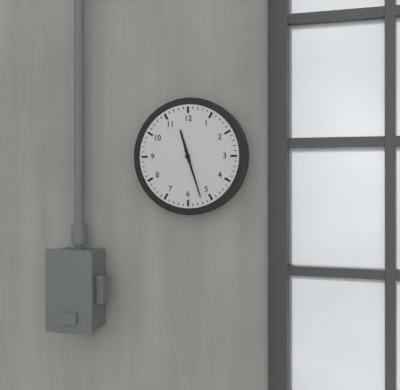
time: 11:27
